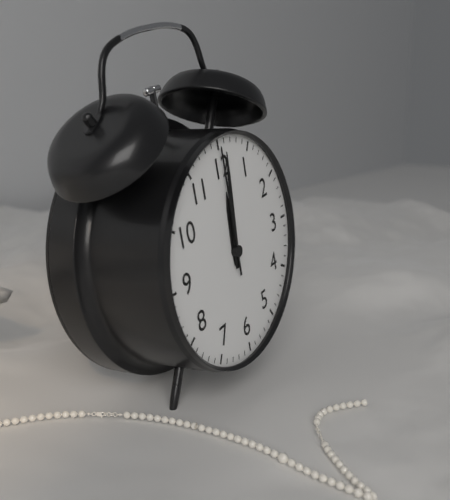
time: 12:01:00
